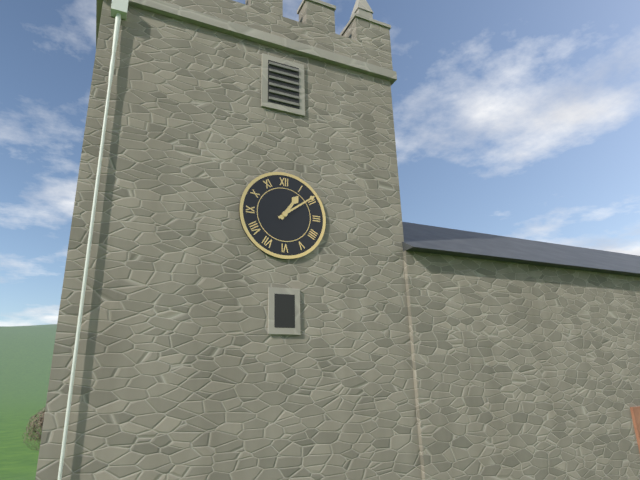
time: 1:09
